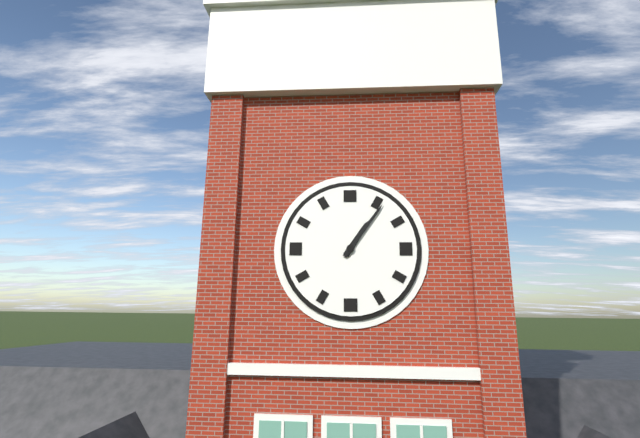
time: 1:06
